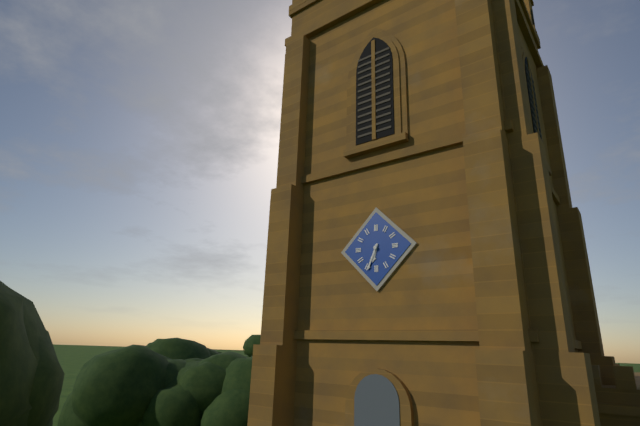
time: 6:34
